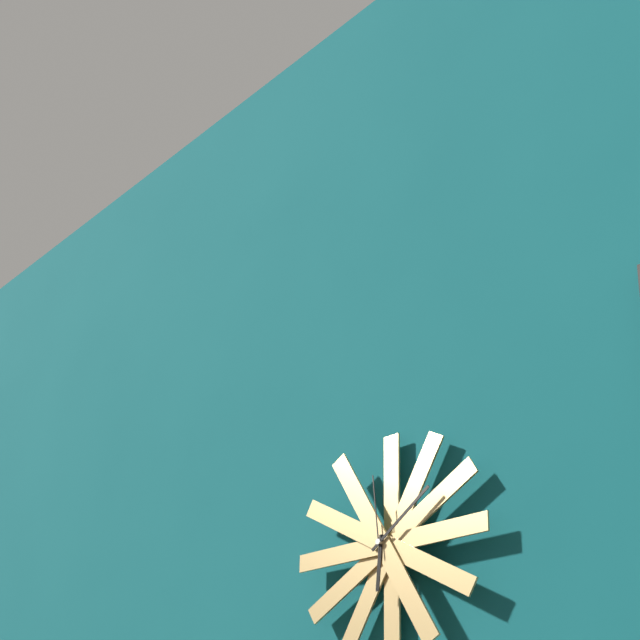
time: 6:09:59
